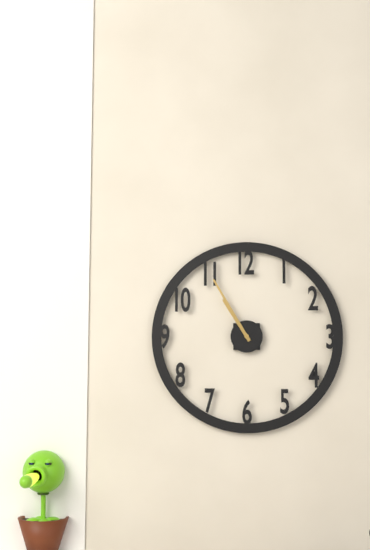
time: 10:55
